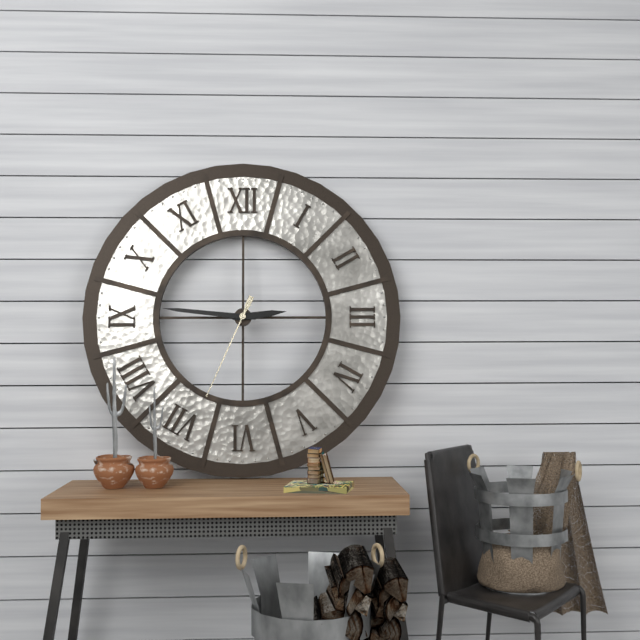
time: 2:46:34
